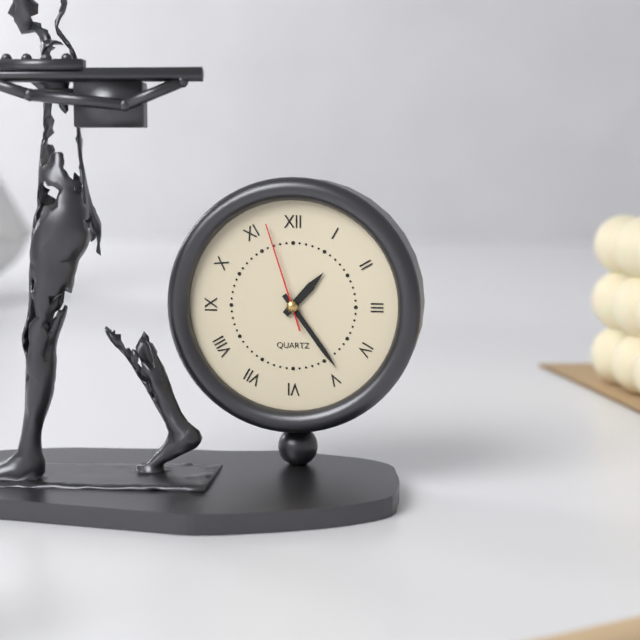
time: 1:24:57
